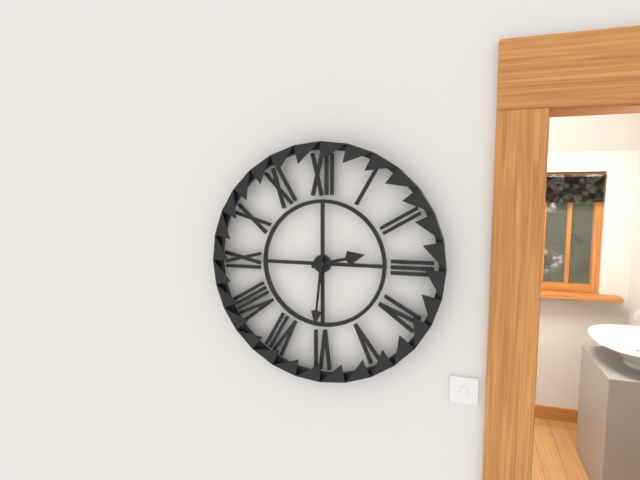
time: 2:31
